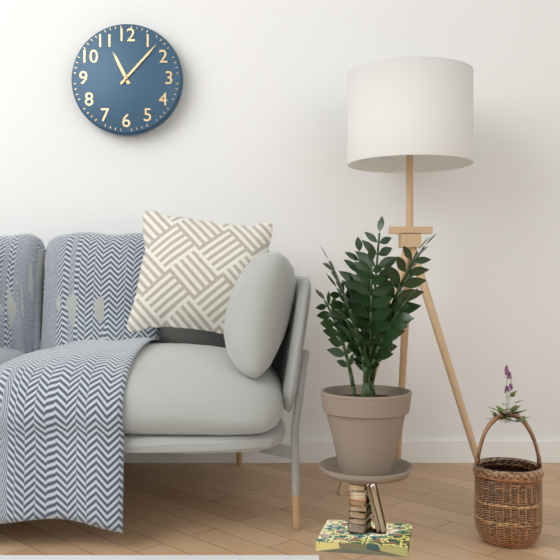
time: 11:07
